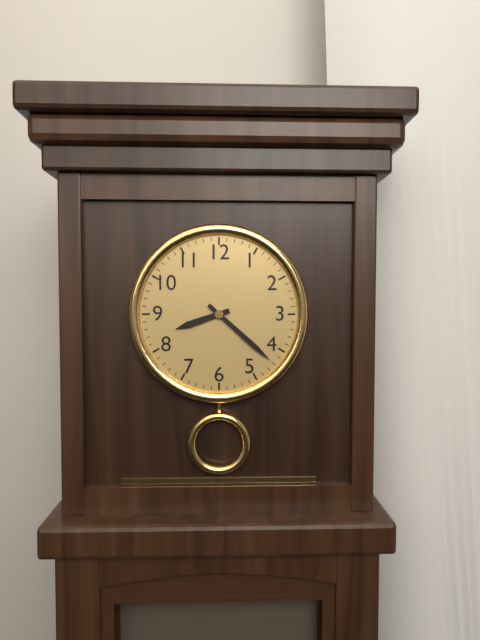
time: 8:22
